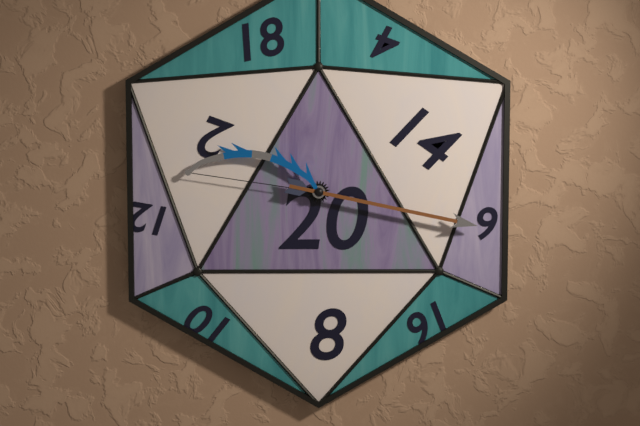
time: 9:17
